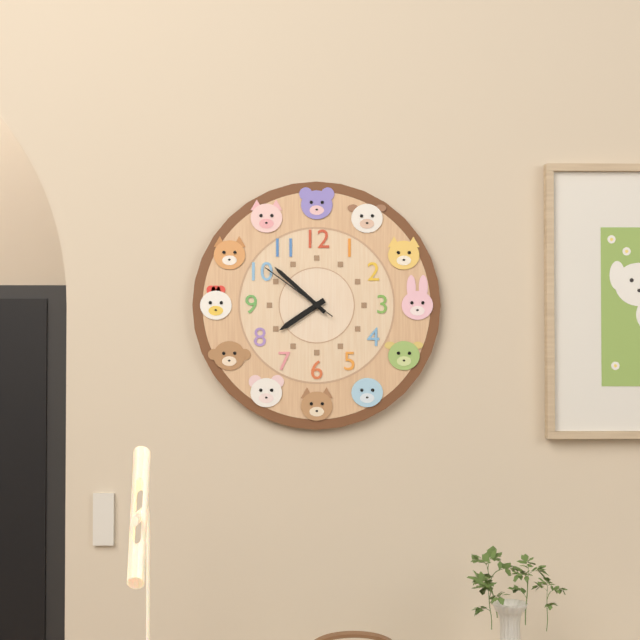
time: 7:52:51
